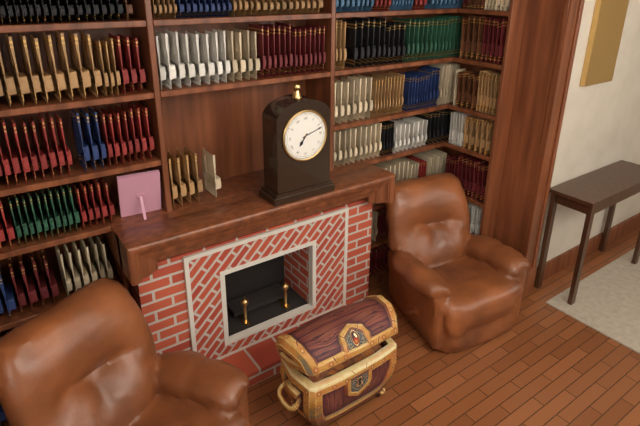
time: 7:12
